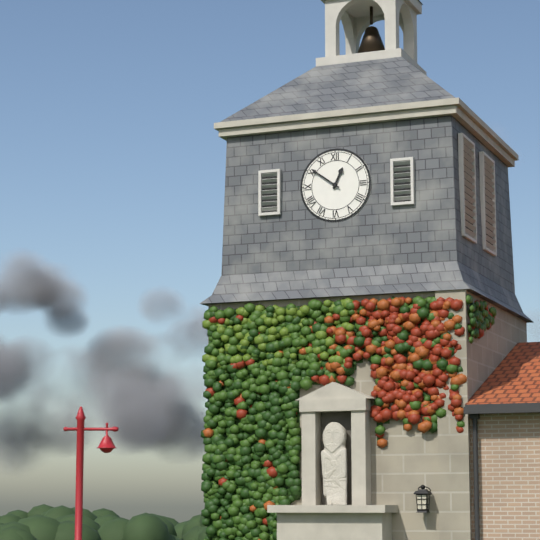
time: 12:51
